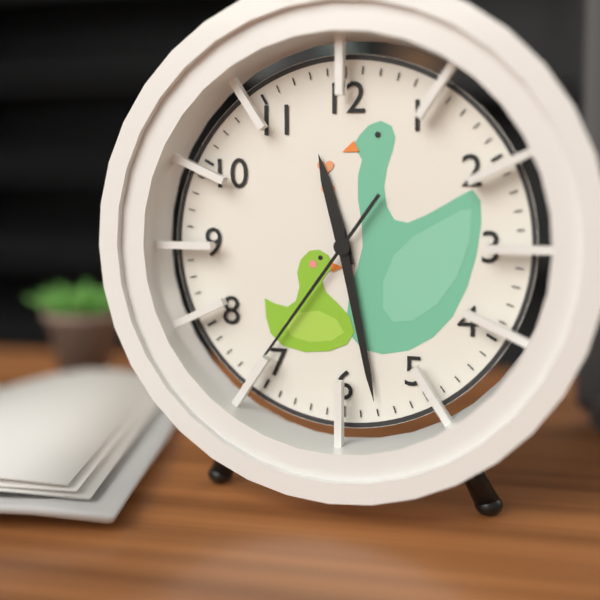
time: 11:28:36
